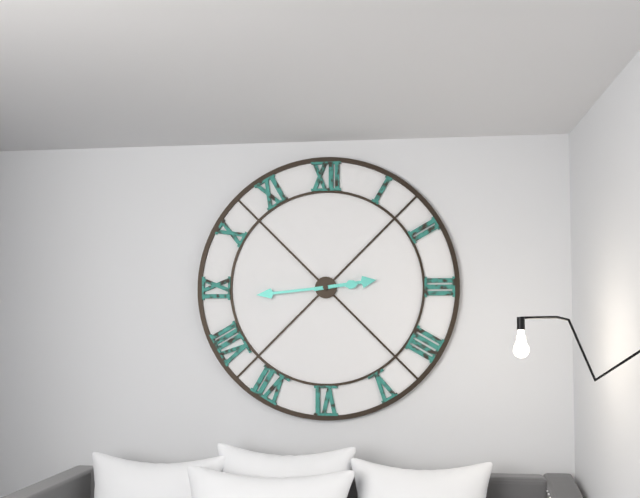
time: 2:44
